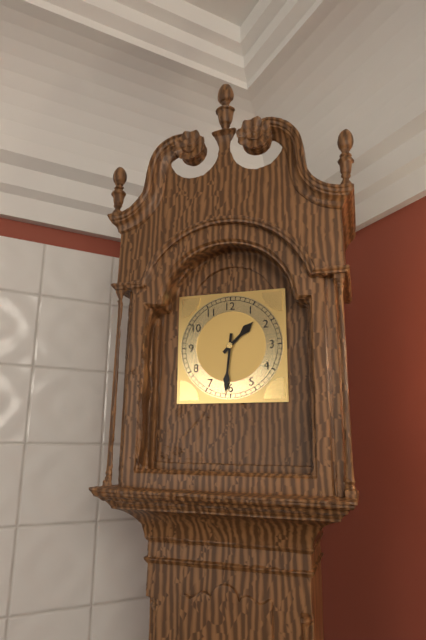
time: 1:31
